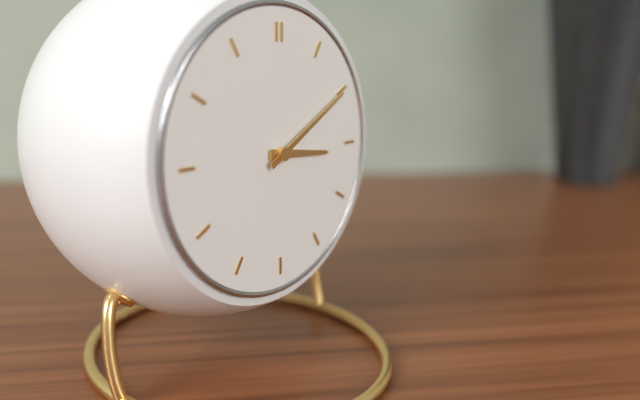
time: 3:10
